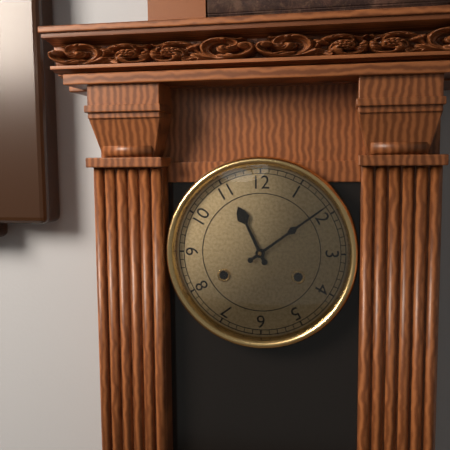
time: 11:09
